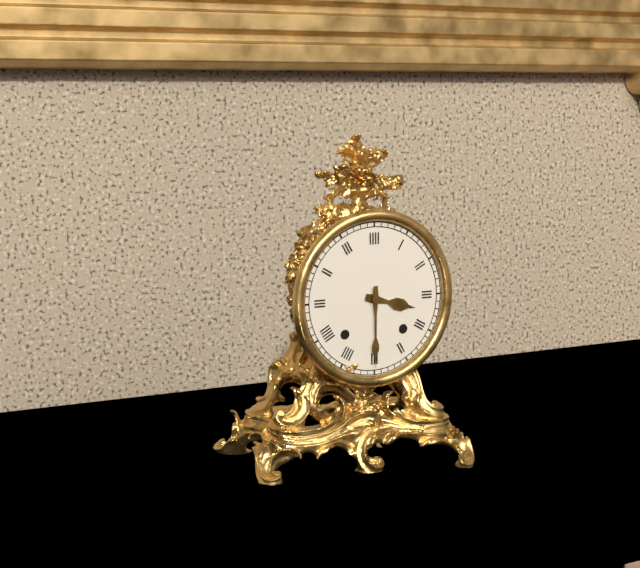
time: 3:30
